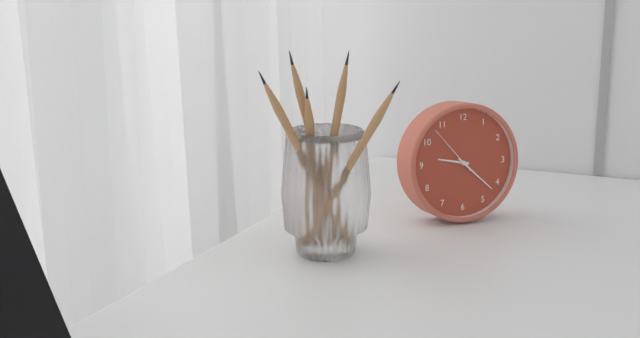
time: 9:22:53
